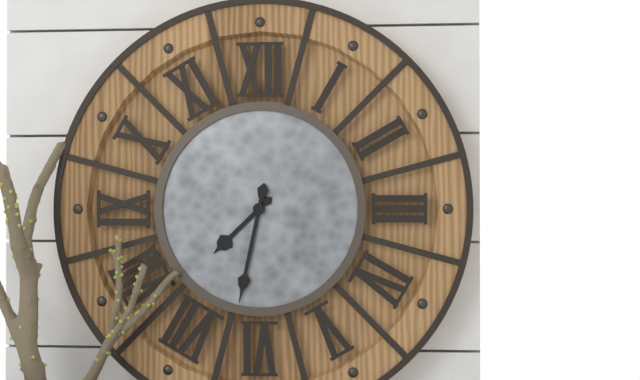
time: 7:32
